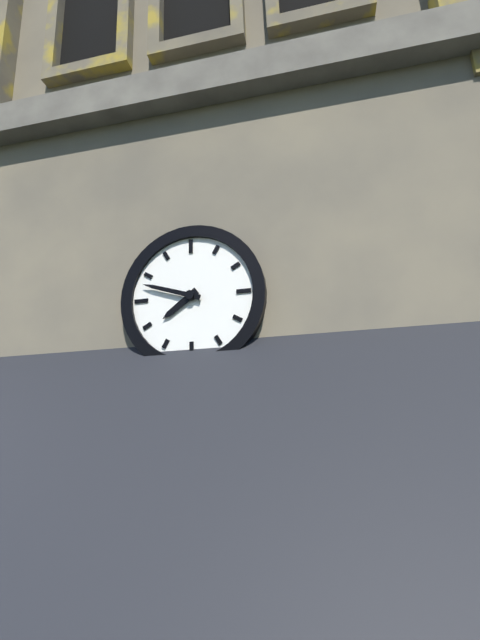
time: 7:48
